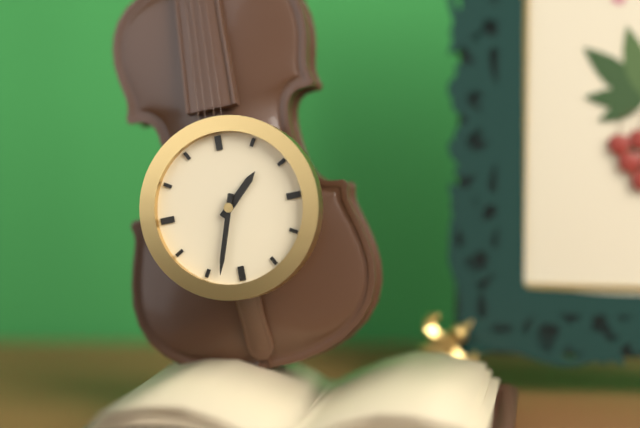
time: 1:33
